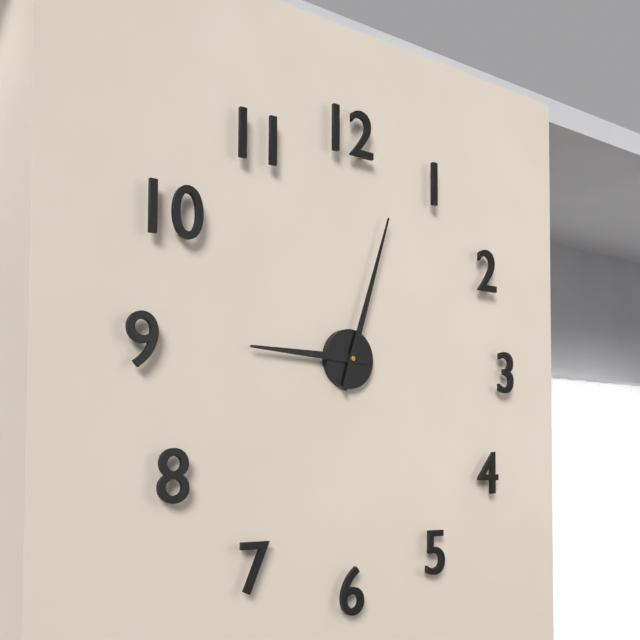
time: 9:03
